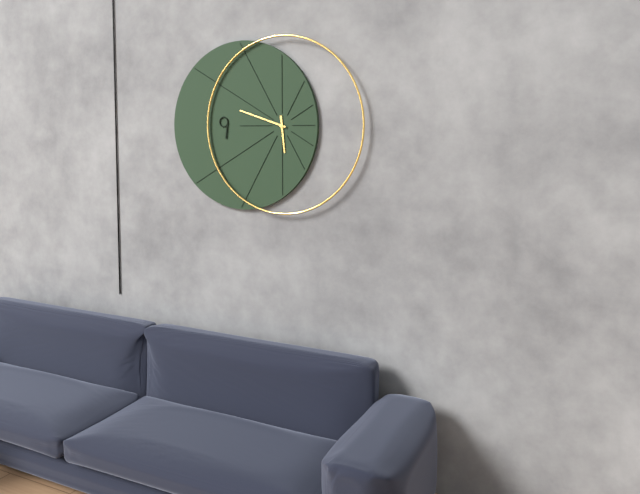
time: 5:48
